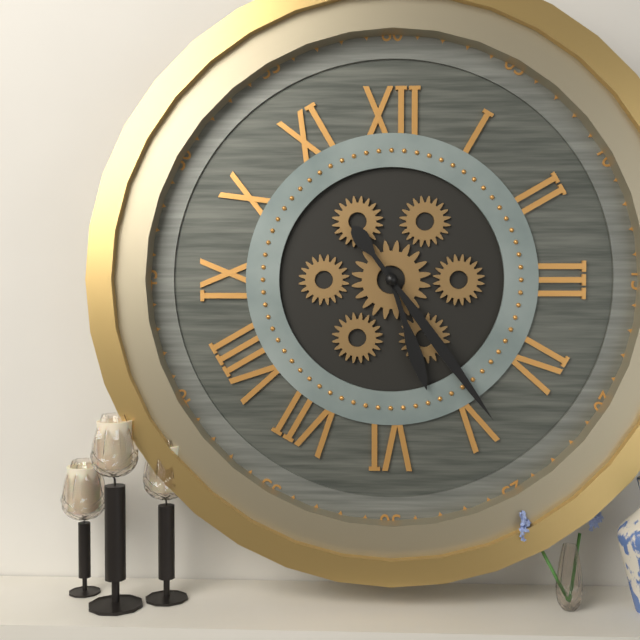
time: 5:24
